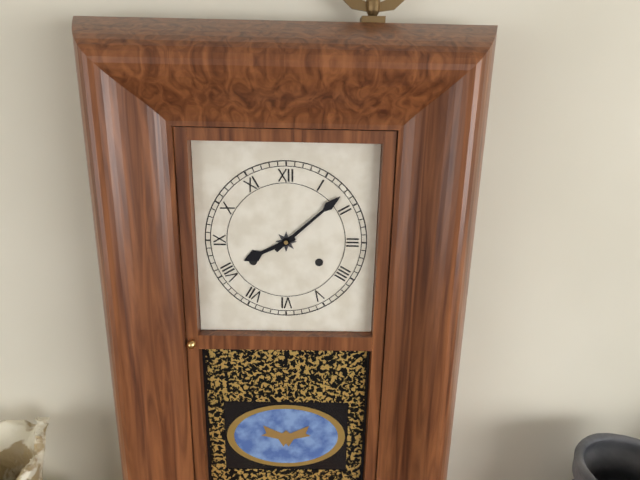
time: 8:08
